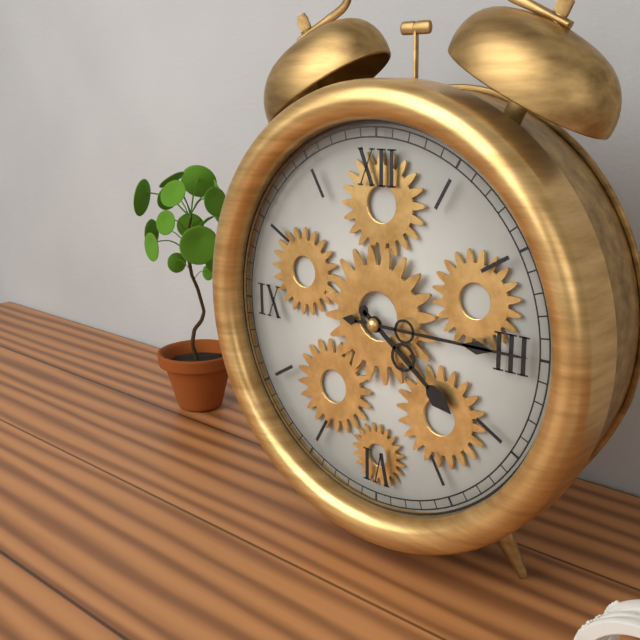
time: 4:15
